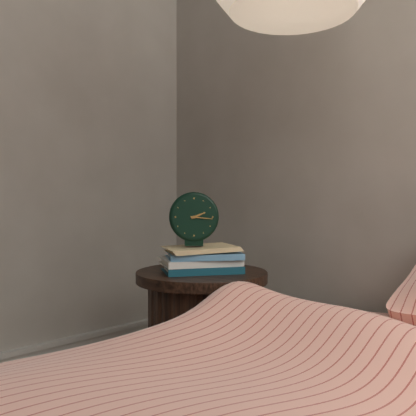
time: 2:16
